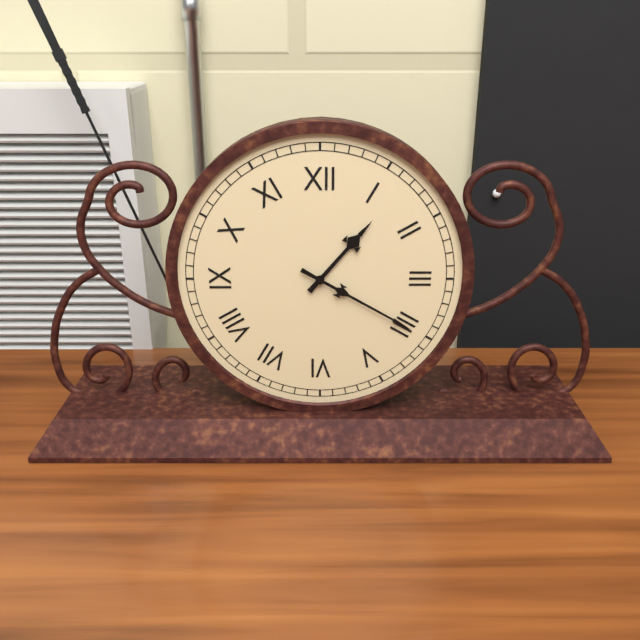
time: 1:20
